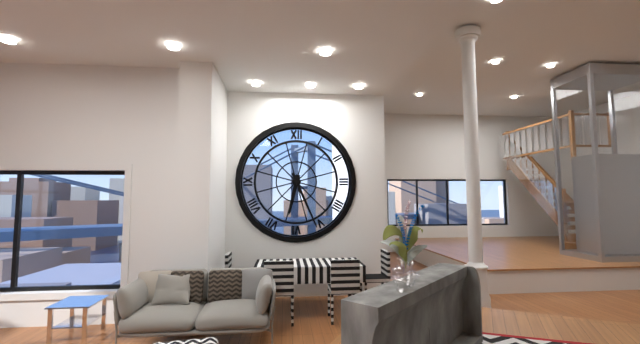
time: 6:26
